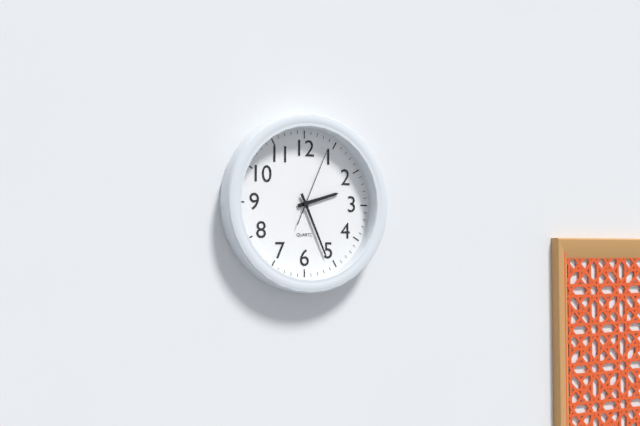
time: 2:26:04
